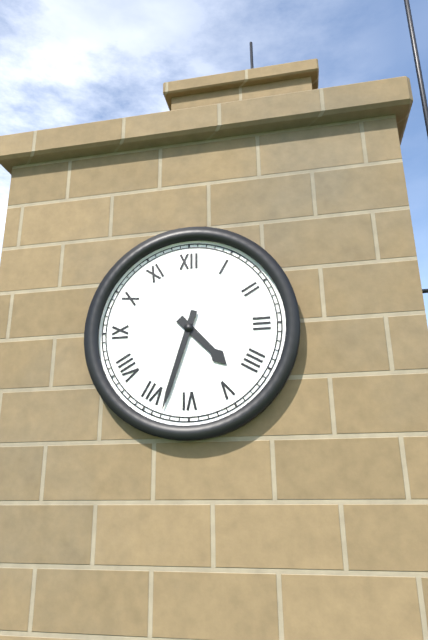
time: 4:33
